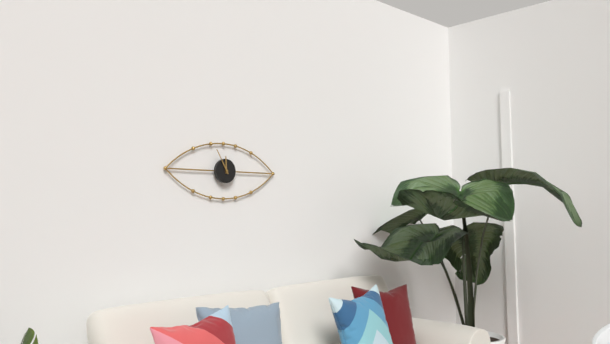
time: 11:55
